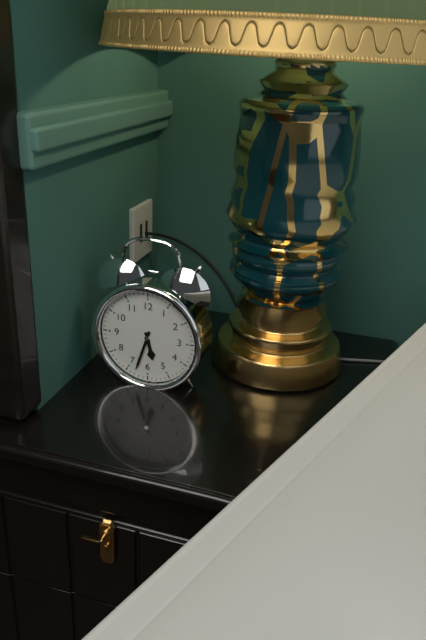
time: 5:33
